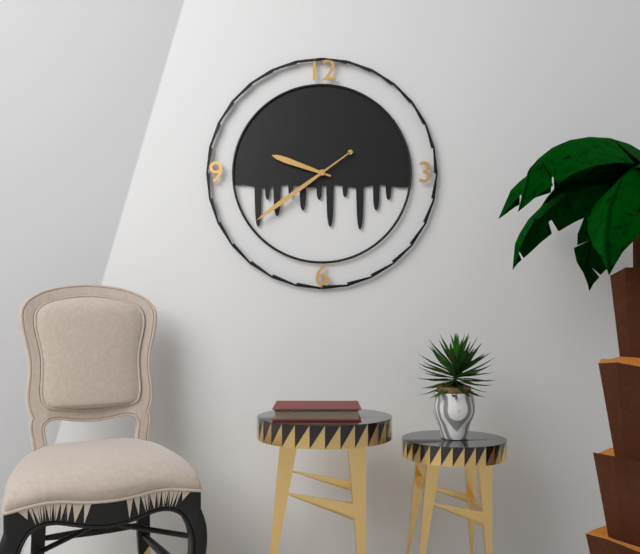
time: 9:39
